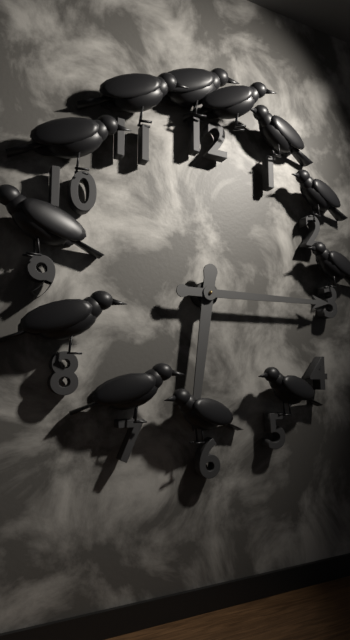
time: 6:15
